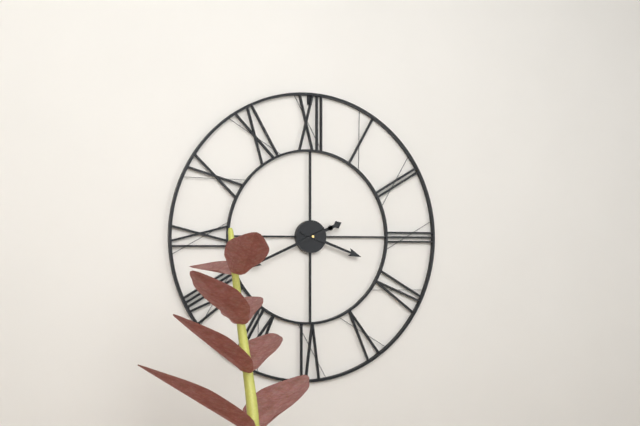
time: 3:41
